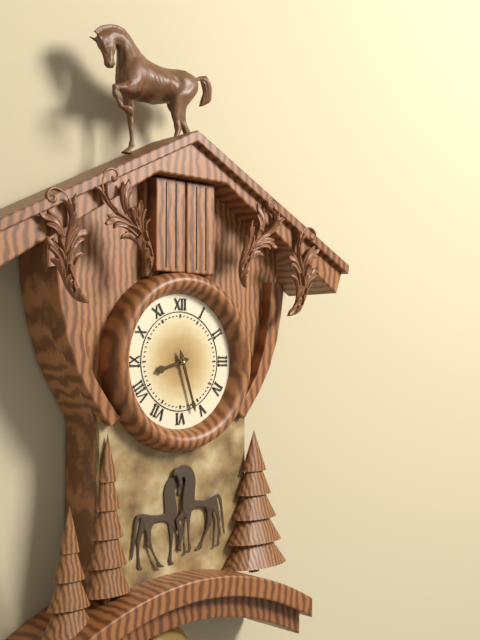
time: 8:27
